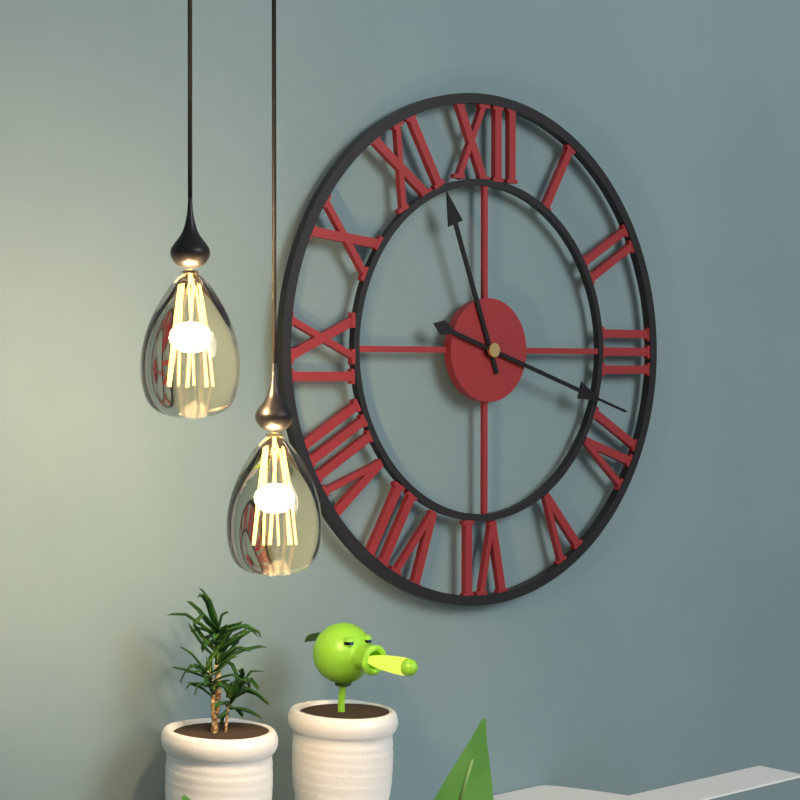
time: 11:18
